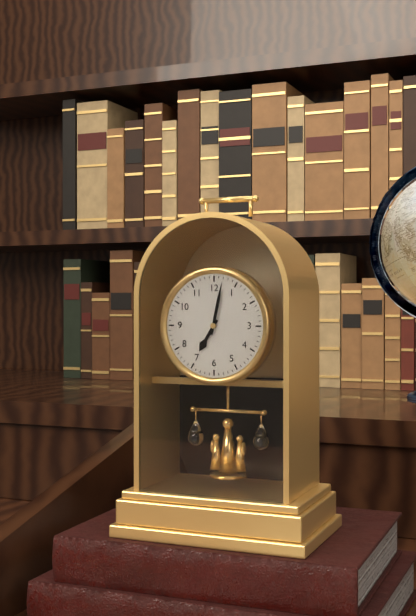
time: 7:02
